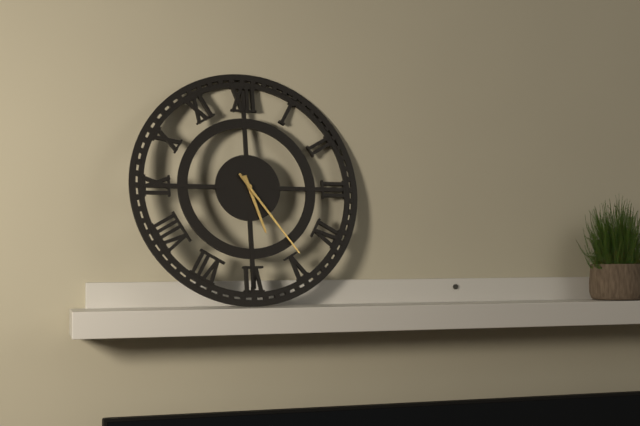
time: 5:24
